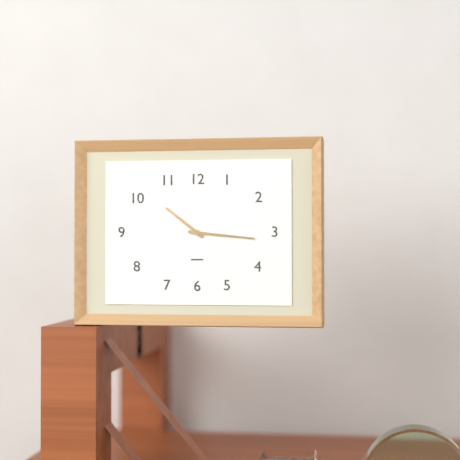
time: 10:16
